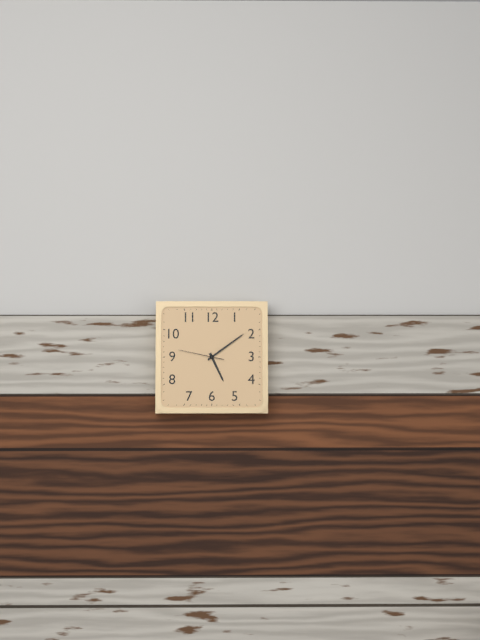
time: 5:09
